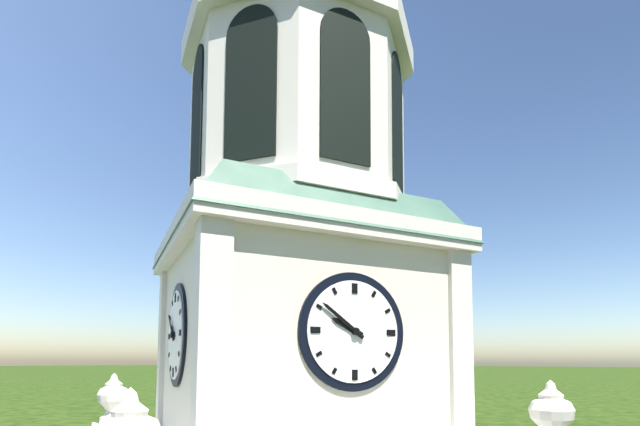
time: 9:51
